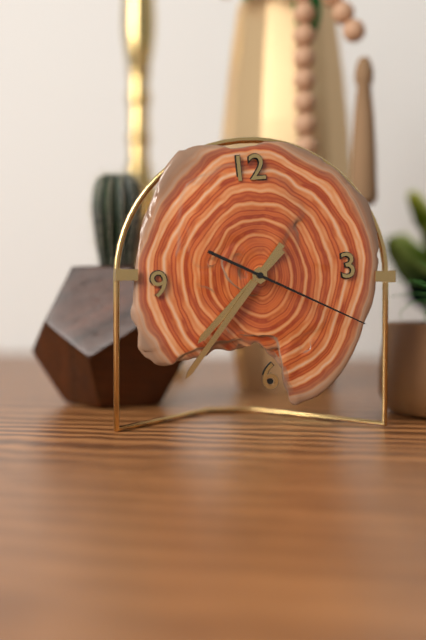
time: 7:37:20
